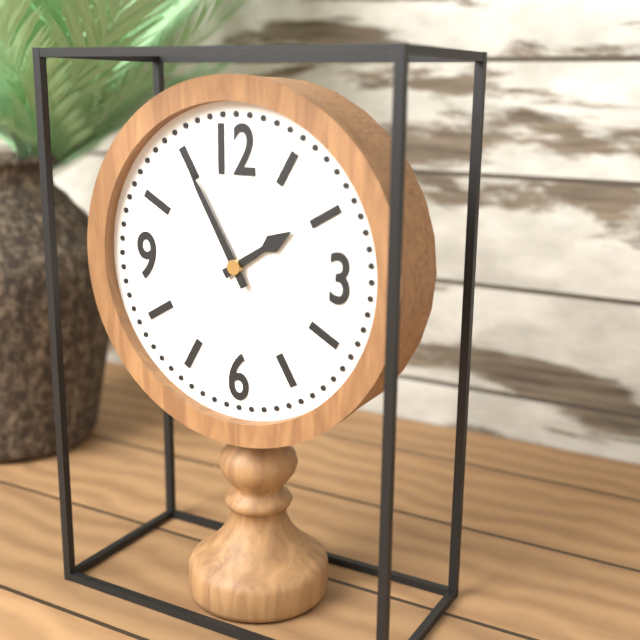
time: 1:55
